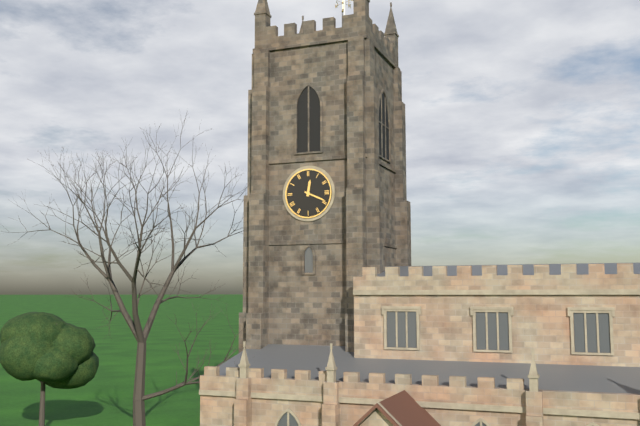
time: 12:19
